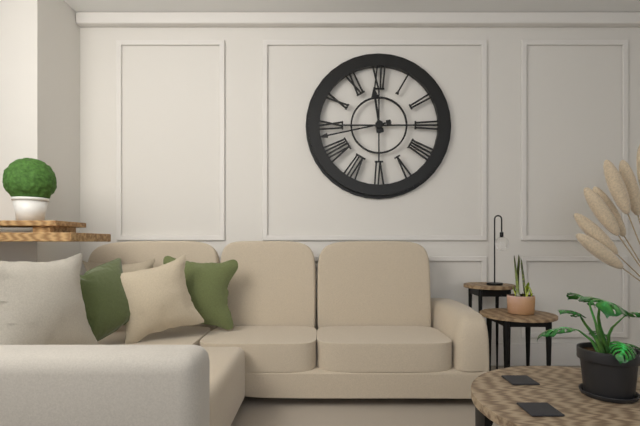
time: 11:43
